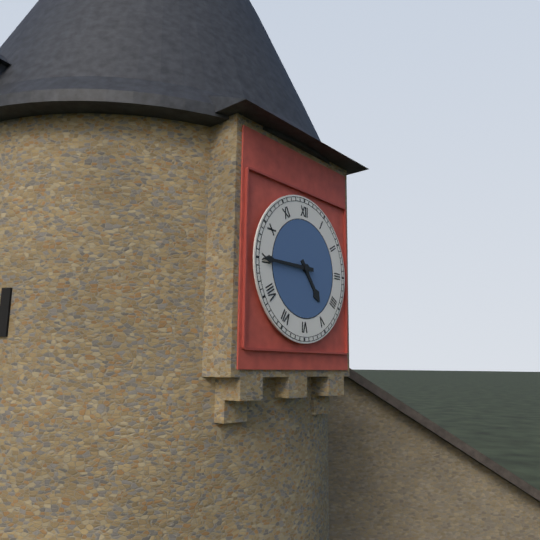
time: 4:45
